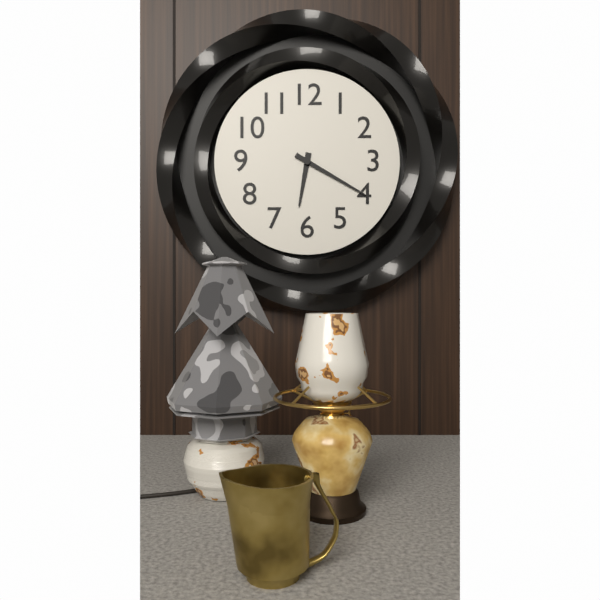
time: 6:20
